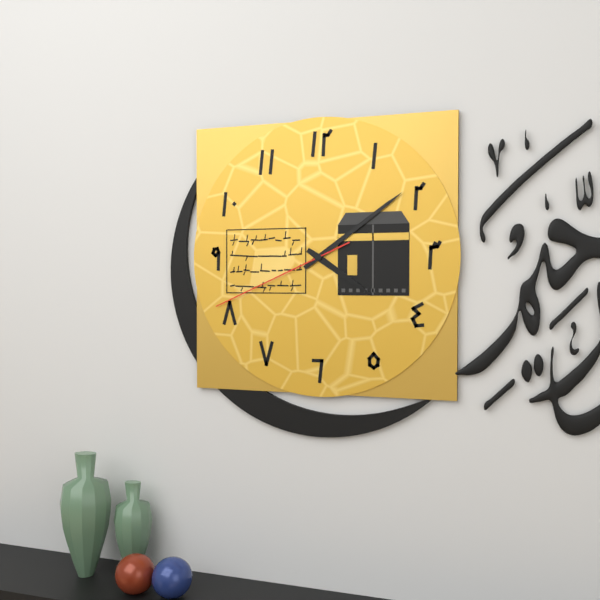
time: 4:09:41
